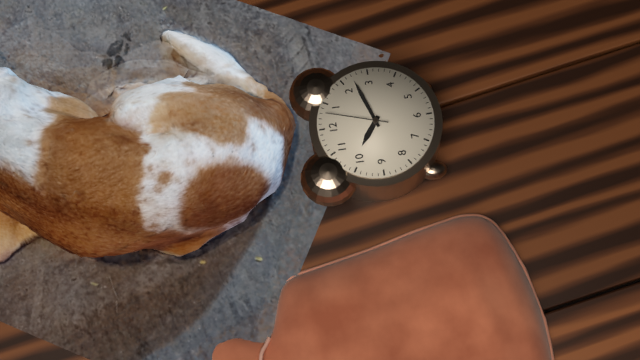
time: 10:12:03
